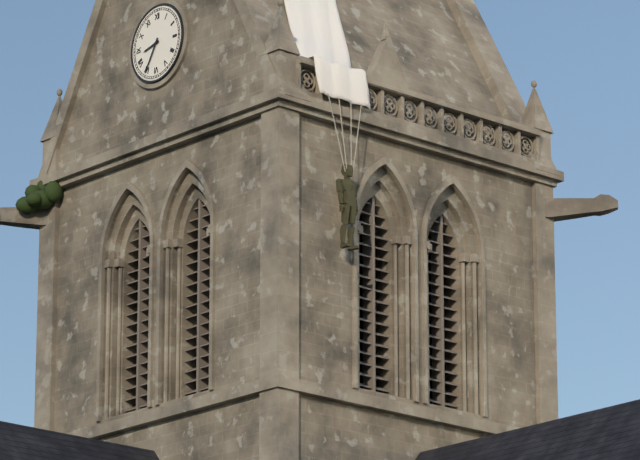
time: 8:35
